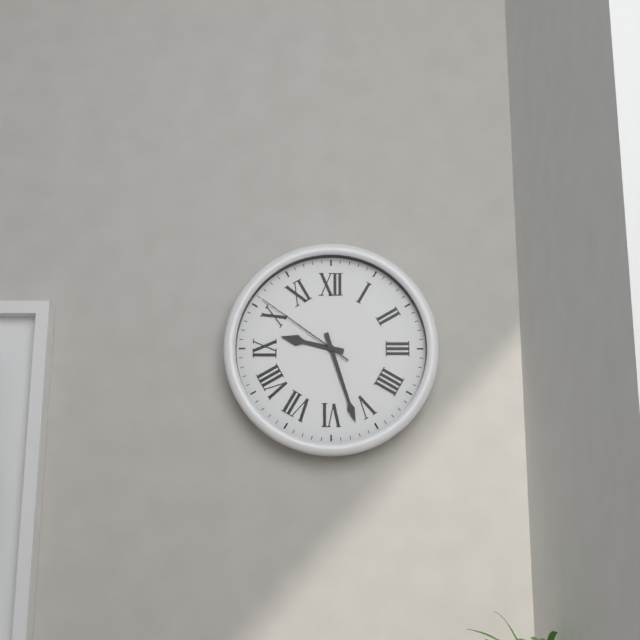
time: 9:27:51
